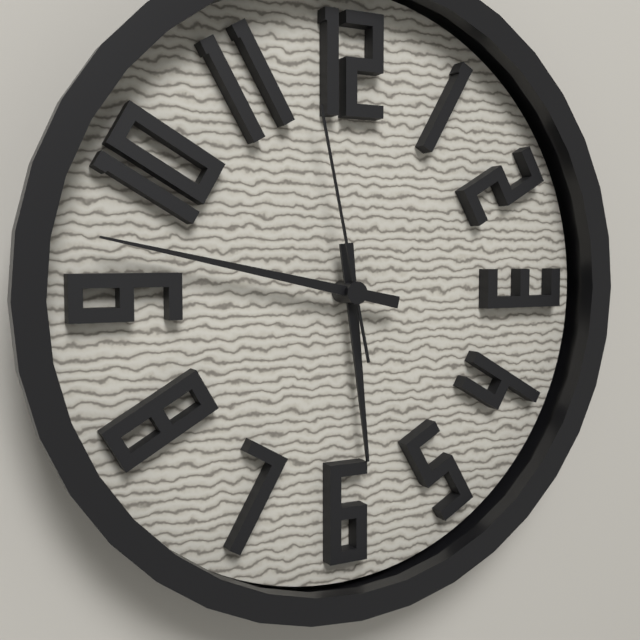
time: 5:47:58
